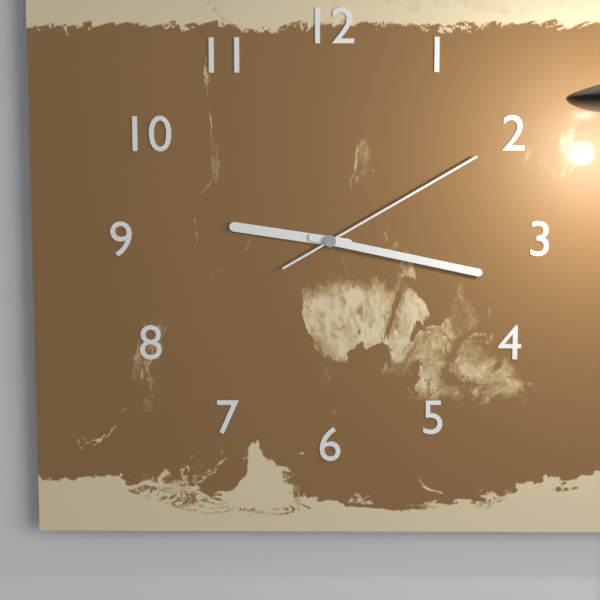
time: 9:17:10
